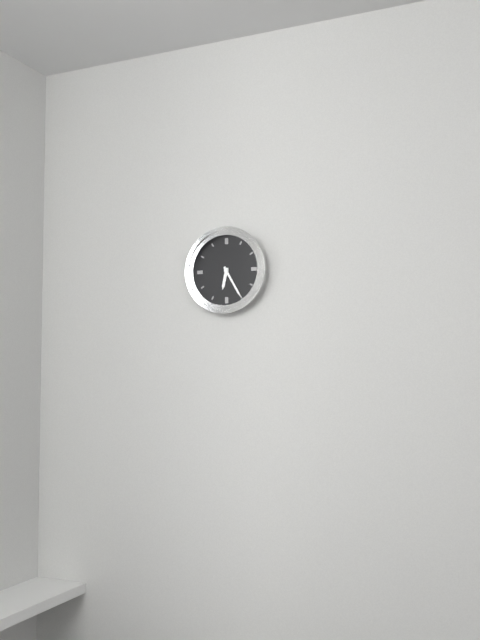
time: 6:25
